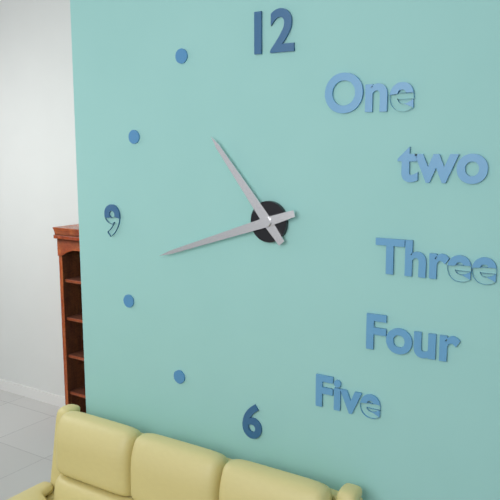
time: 10:42
